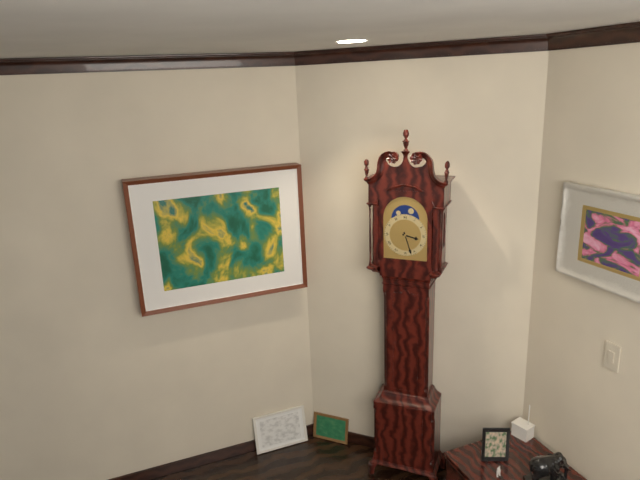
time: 3:27
